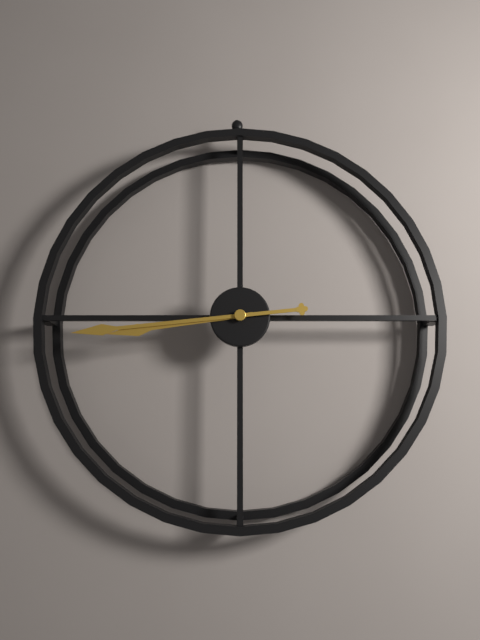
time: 8:44
